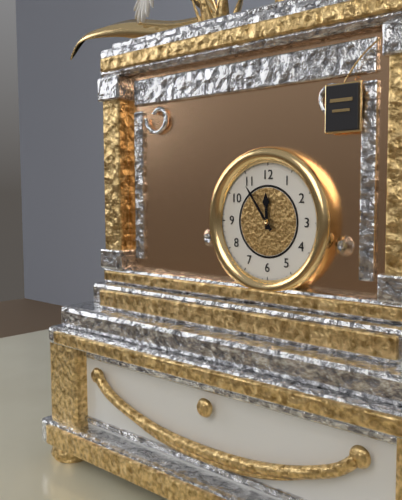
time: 11:54
